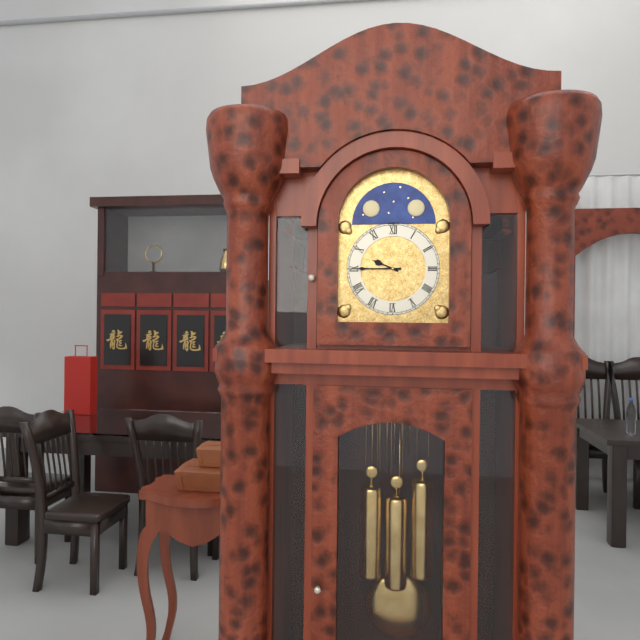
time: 9:45
